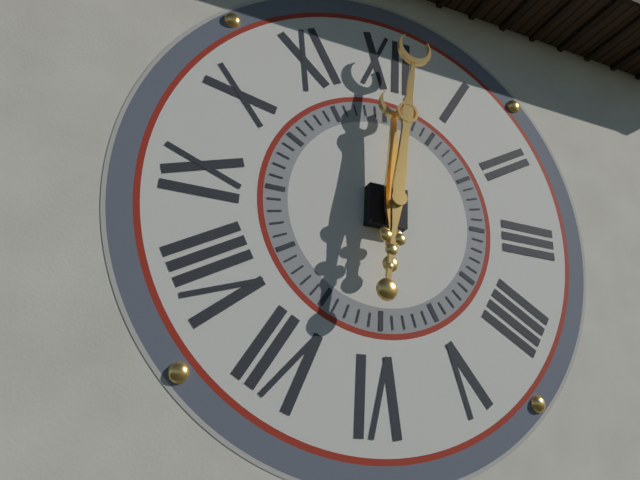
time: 12:01
